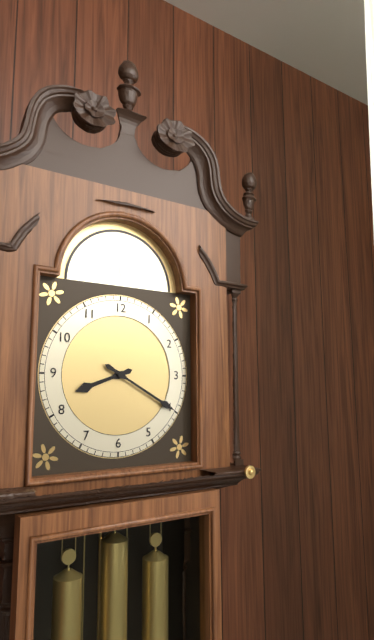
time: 8:20
